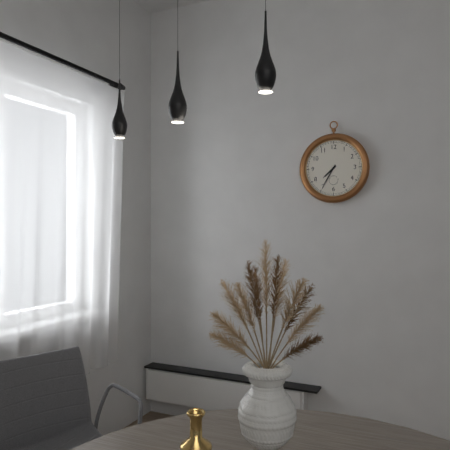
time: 7:35
